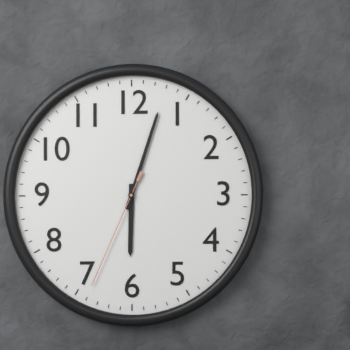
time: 6:03:34
